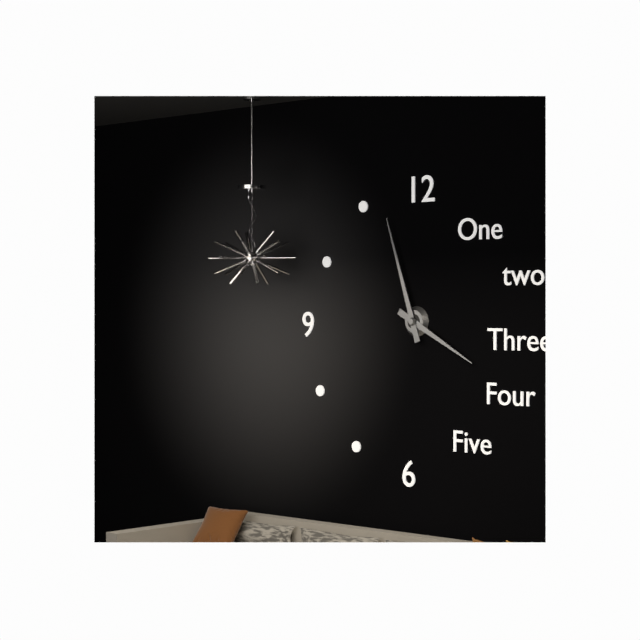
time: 3:57
